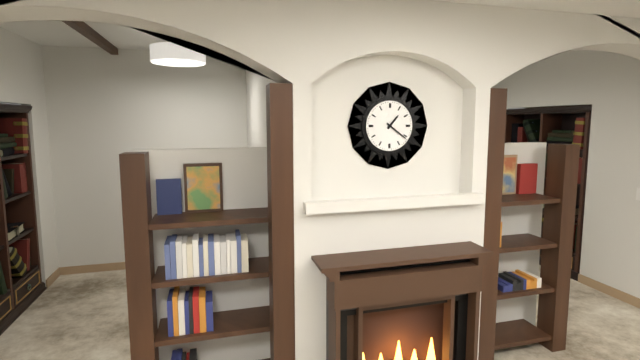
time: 1:21
